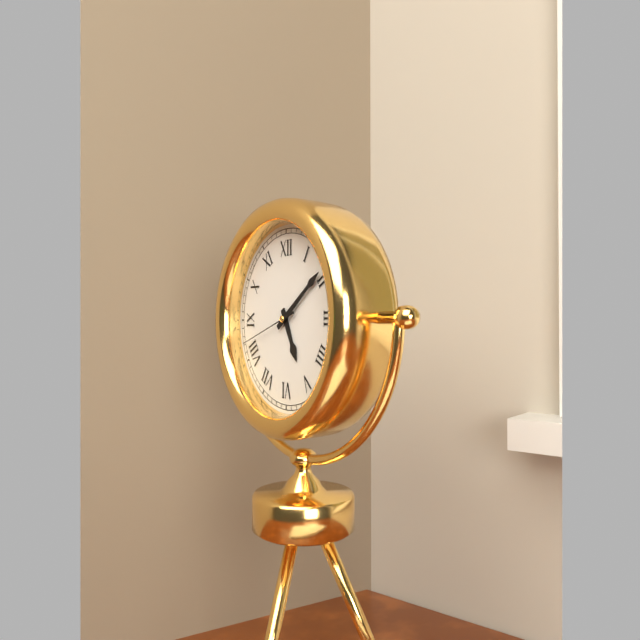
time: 5:09:42
